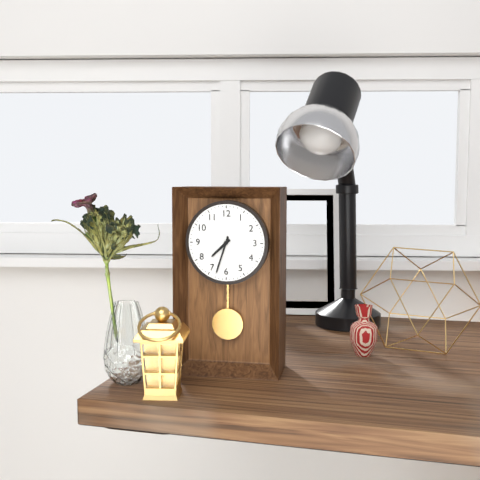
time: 7:33
